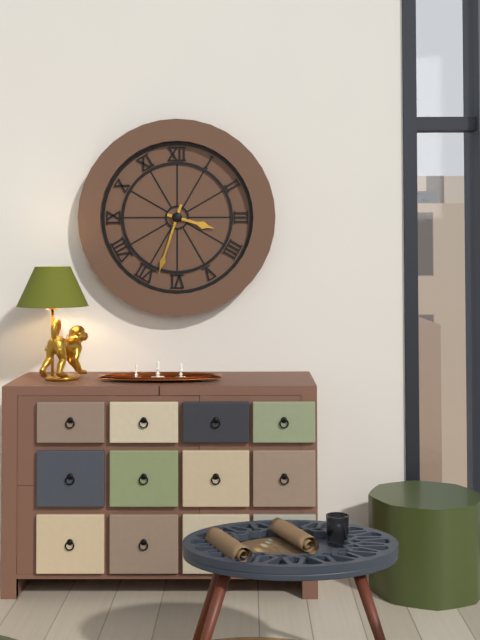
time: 3:33
